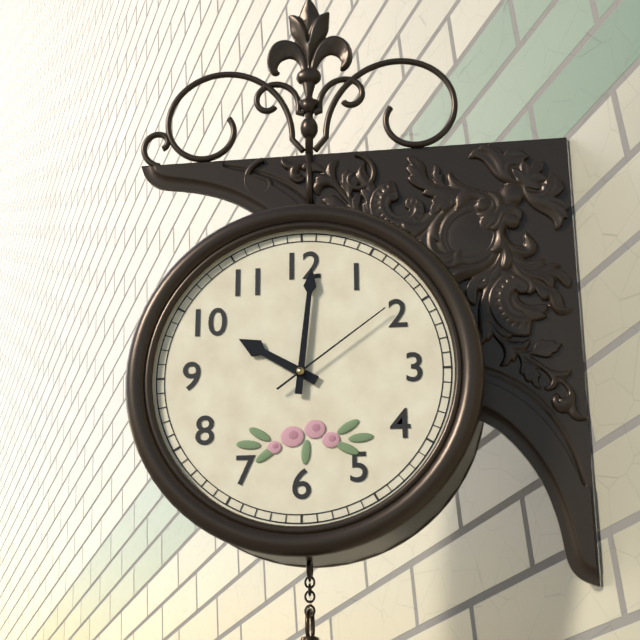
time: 10:01:09
